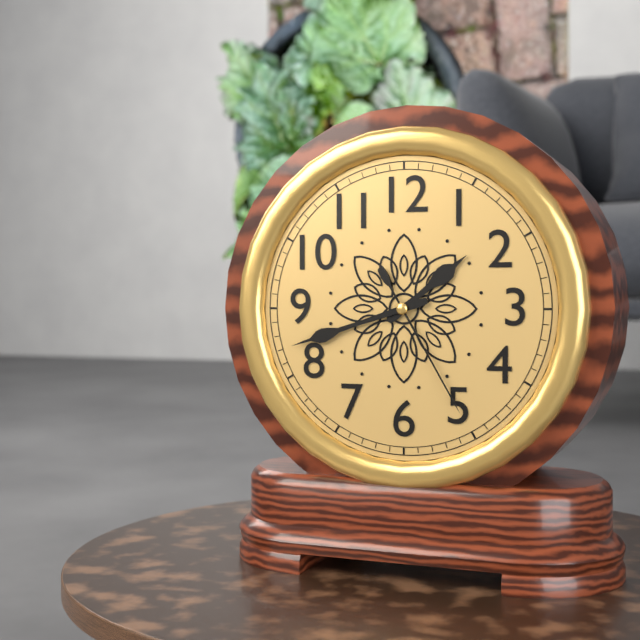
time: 1:42:25
